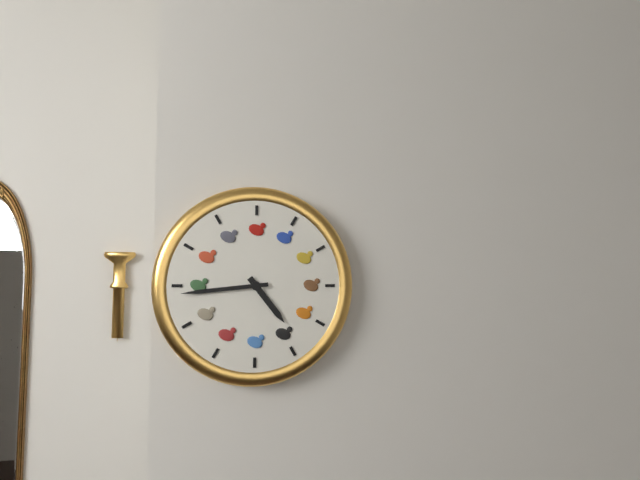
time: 4:44
